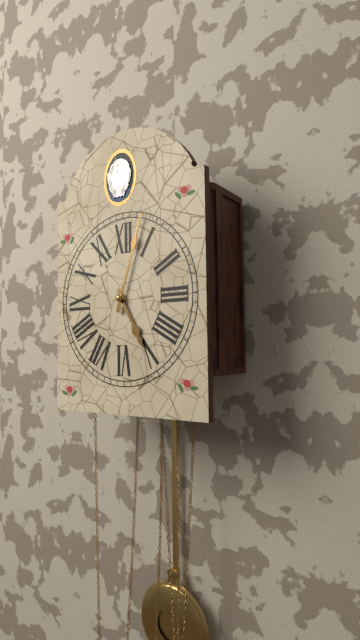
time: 5:03
